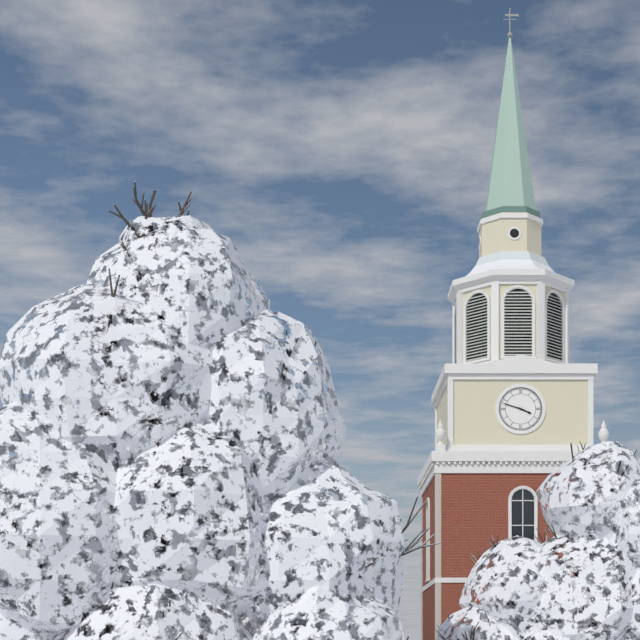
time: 3:48
